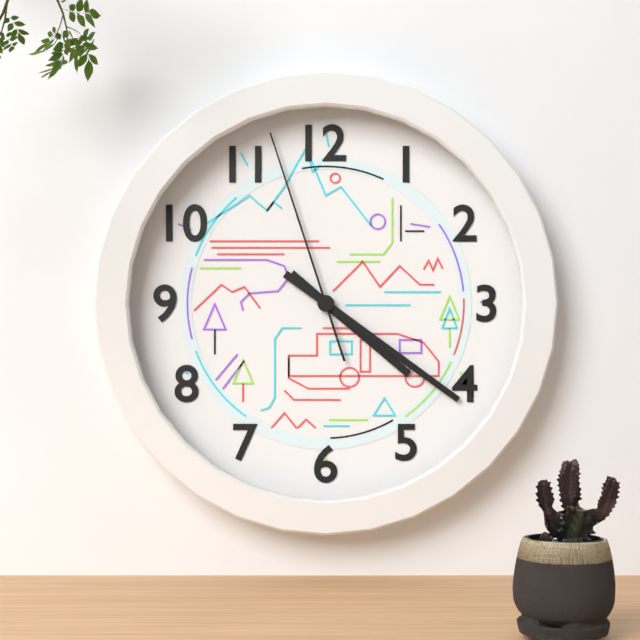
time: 4:21:57
